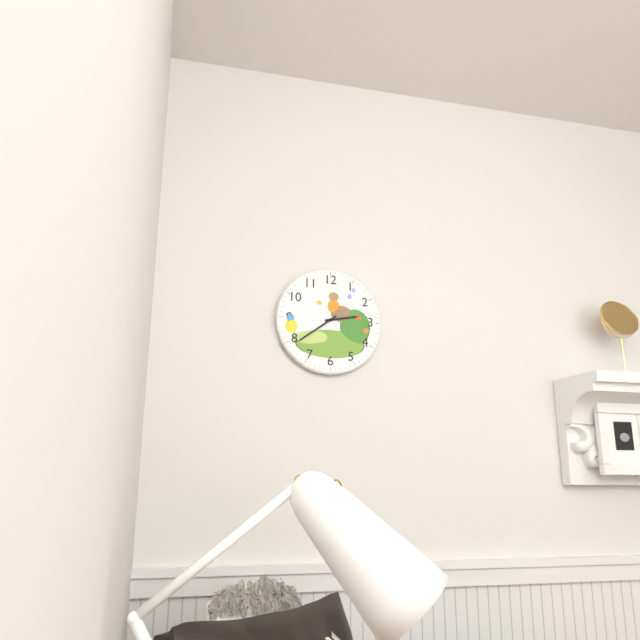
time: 2:39
